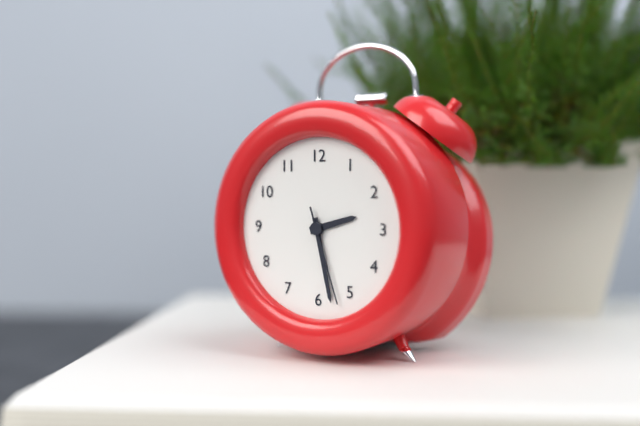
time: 2:28:27
